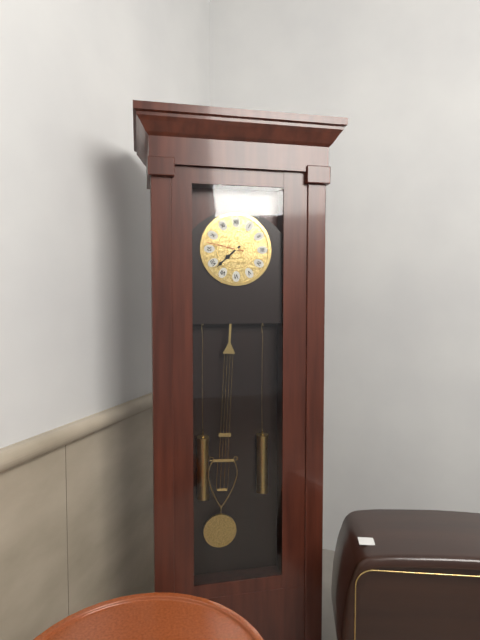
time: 7:38
